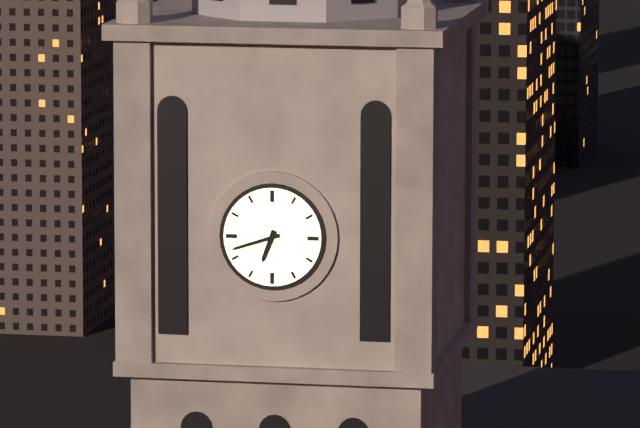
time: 6:42
